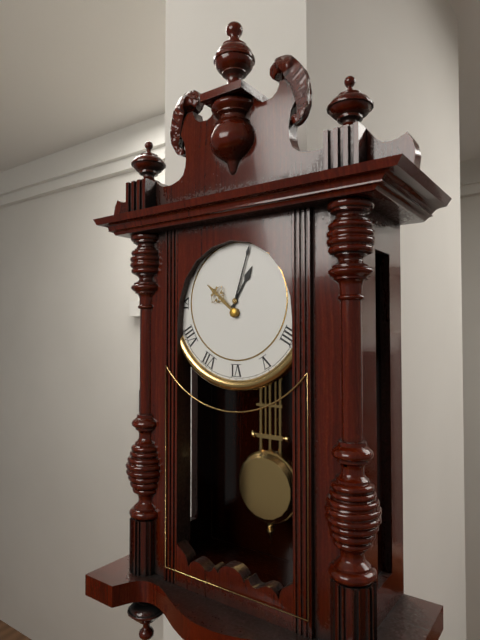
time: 1:03
